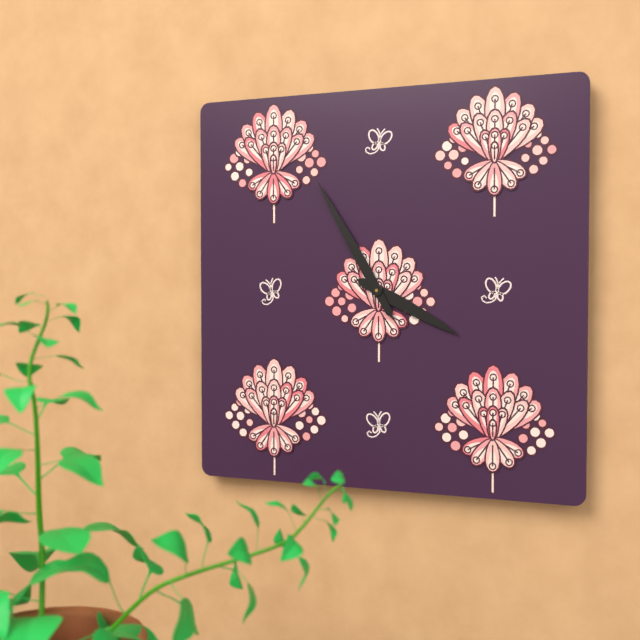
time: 3:55
